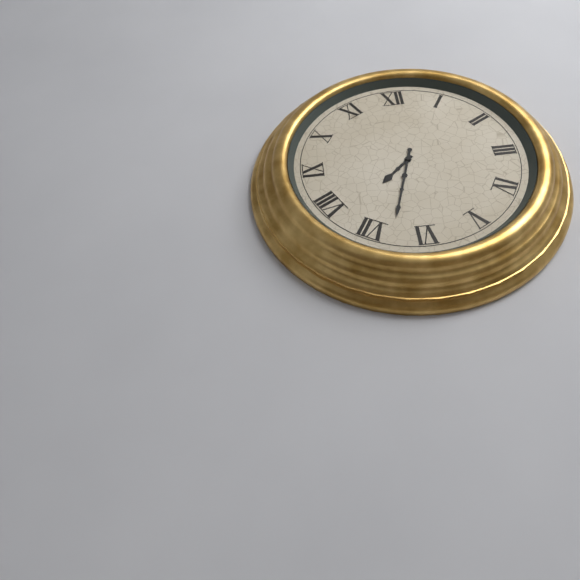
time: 7:33
